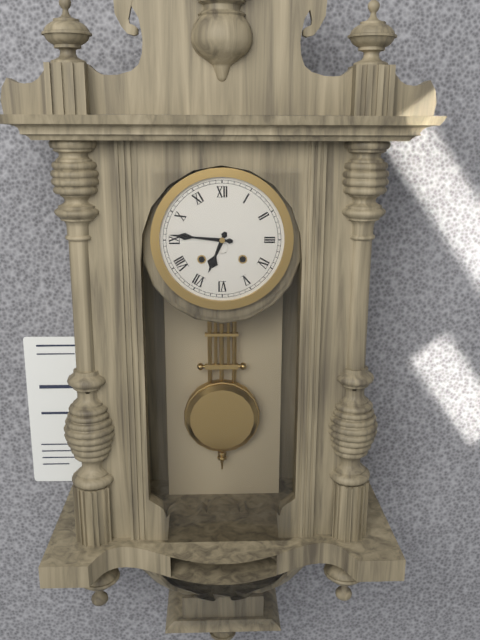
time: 6:46
